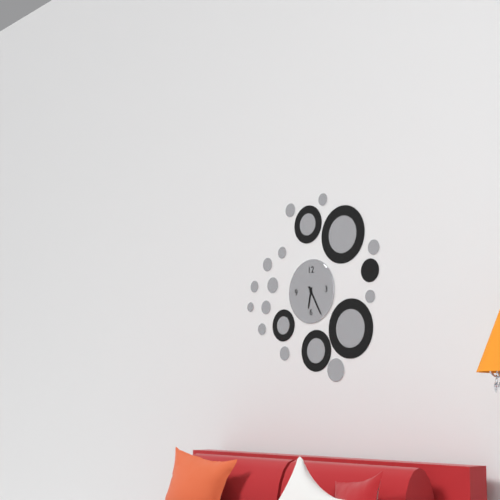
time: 6:25
